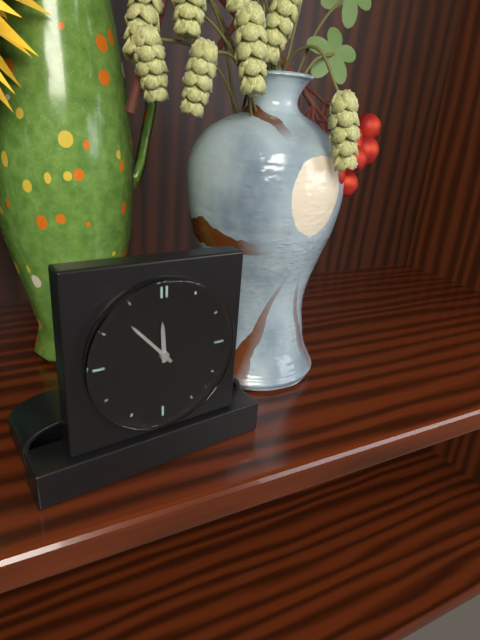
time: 11:53
